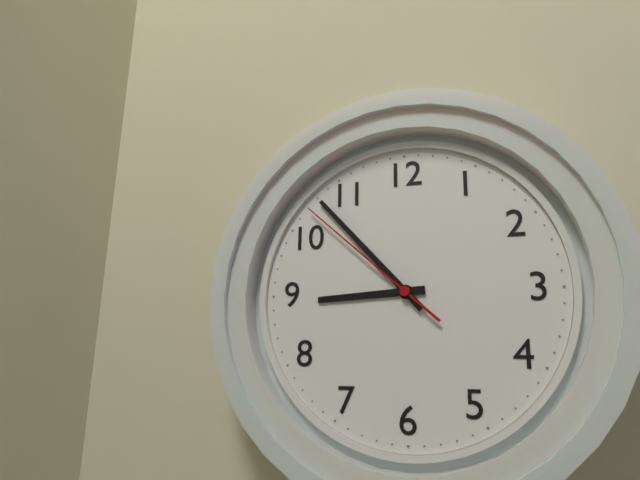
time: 8:53:52
